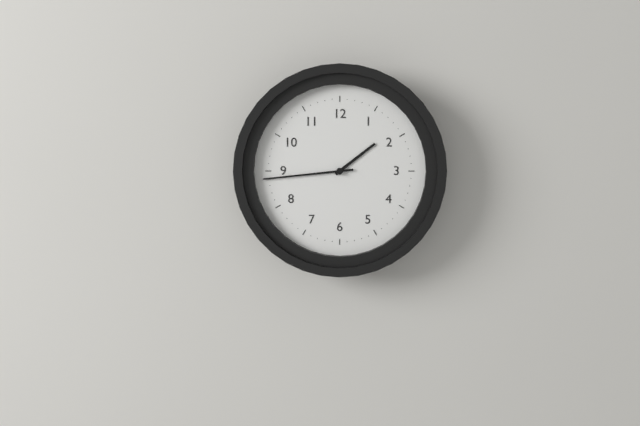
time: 1:44
